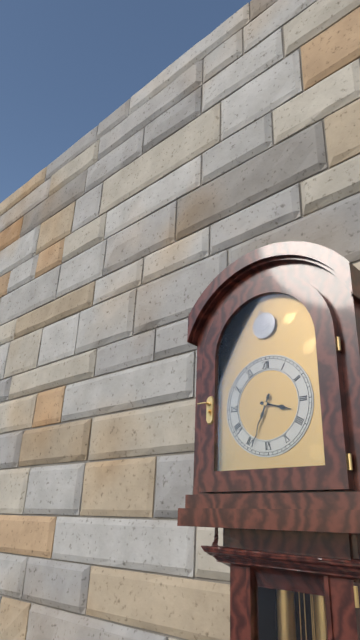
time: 3:34
